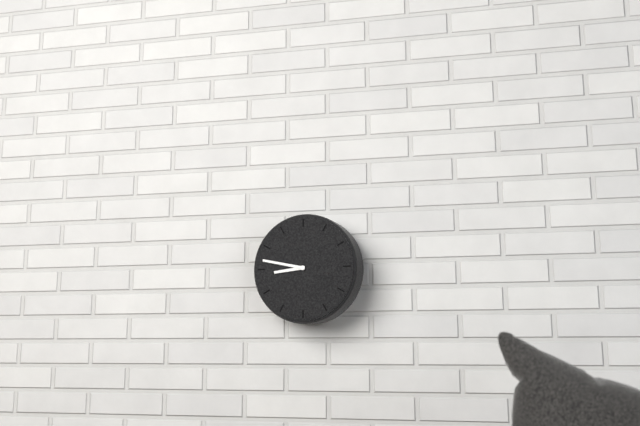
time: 8:47
